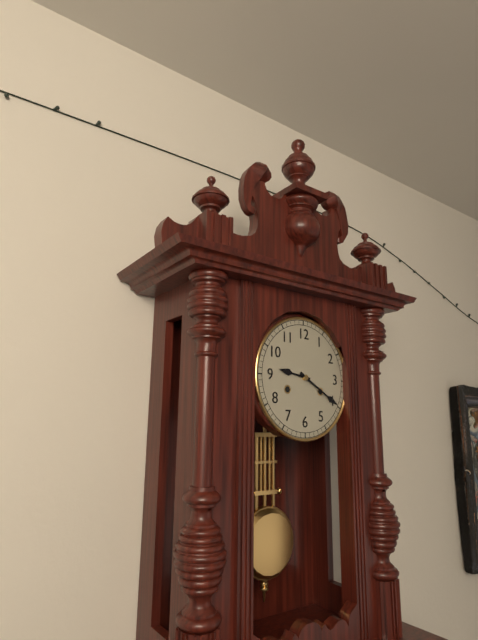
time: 9:20
